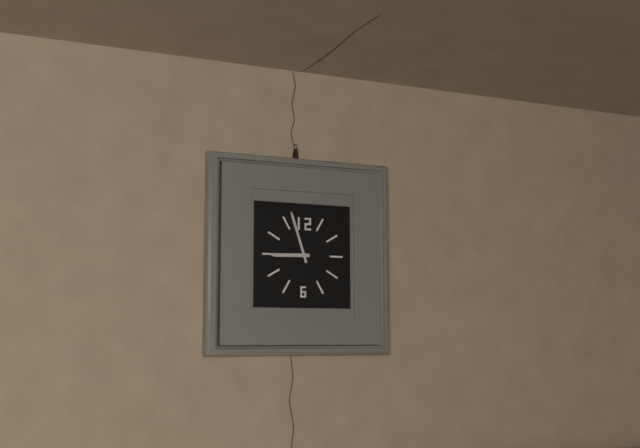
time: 8:57
